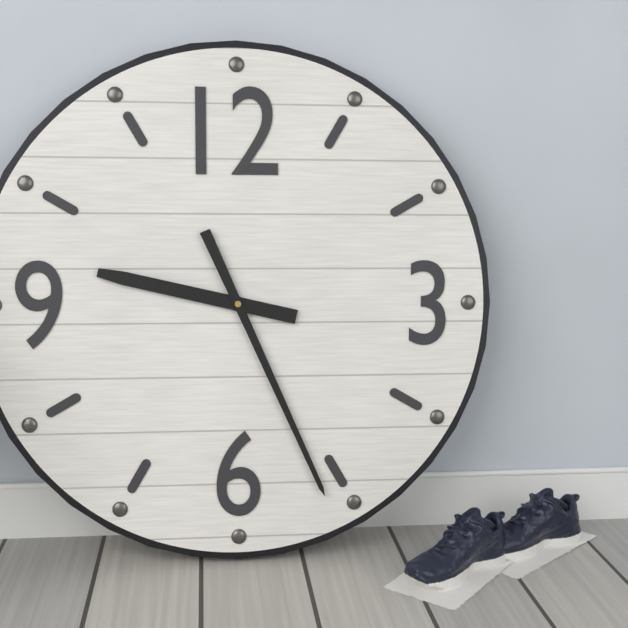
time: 9:26
